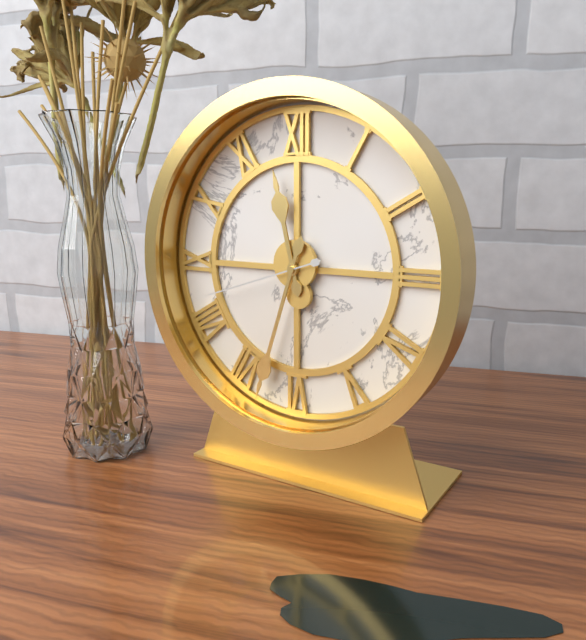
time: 11:33:42
